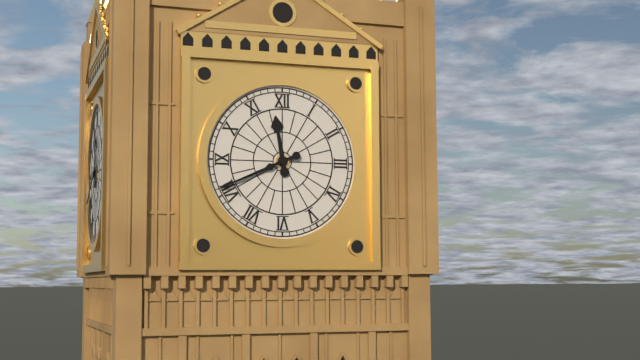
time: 11:41
